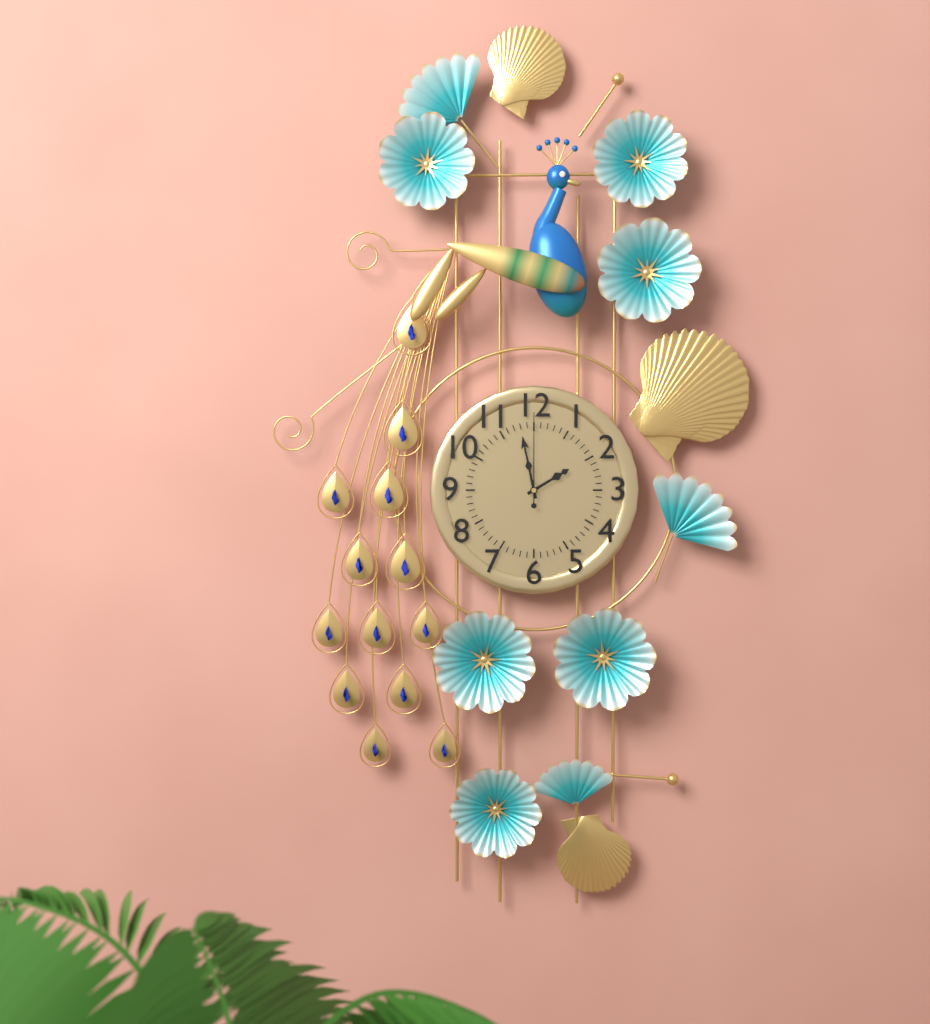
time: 1:58:00
